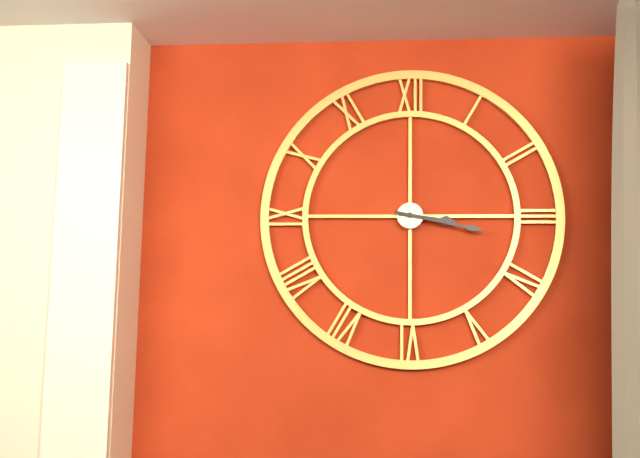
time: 3:17
